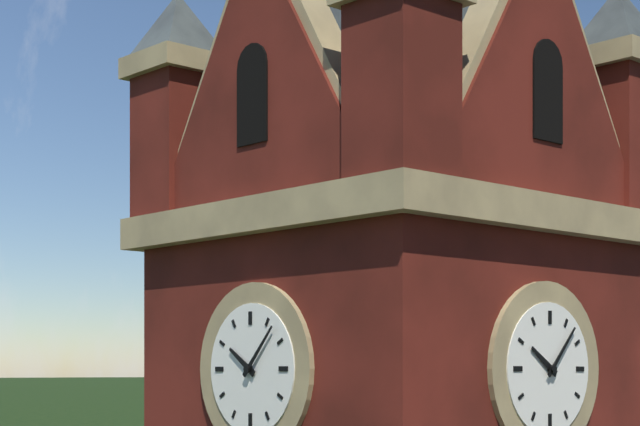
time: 10:07
